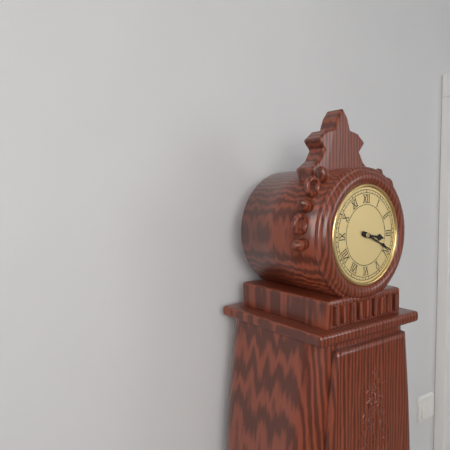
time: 3:19
